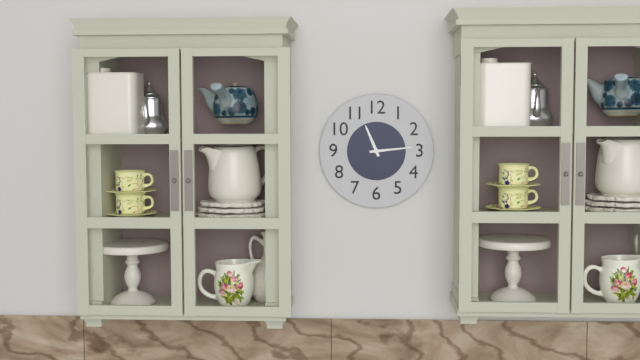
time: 11:14
